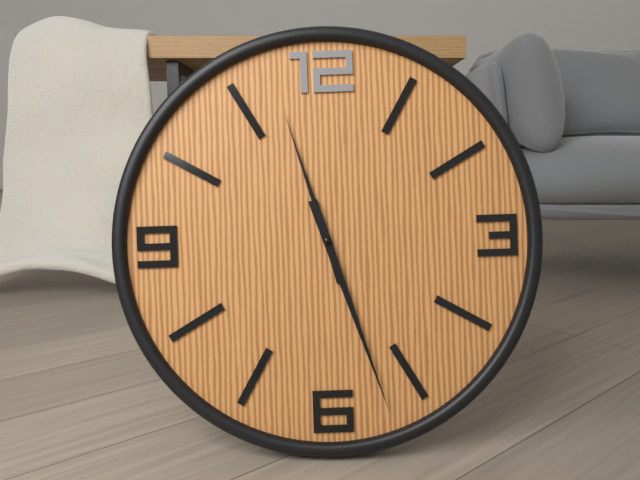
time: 11:27
